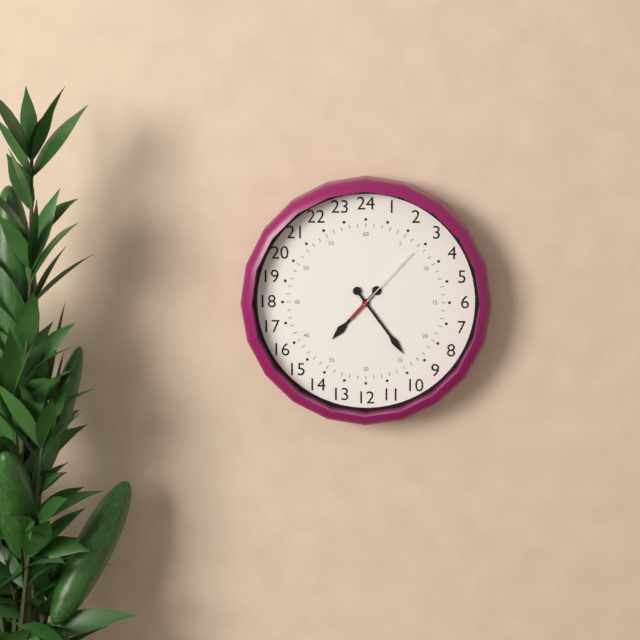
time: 7:24:07
